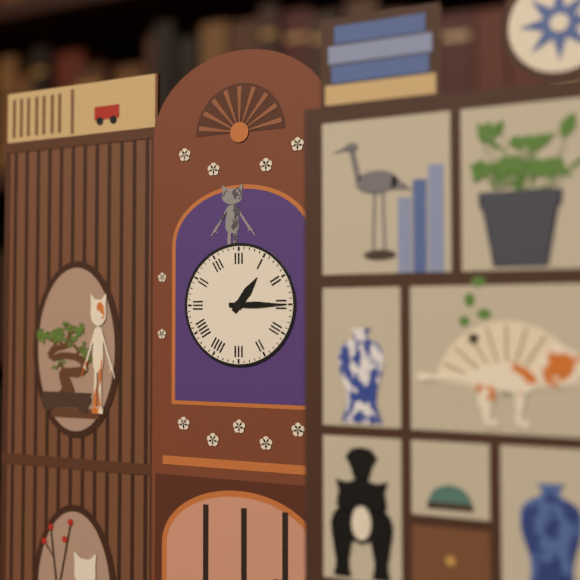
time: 1:15
